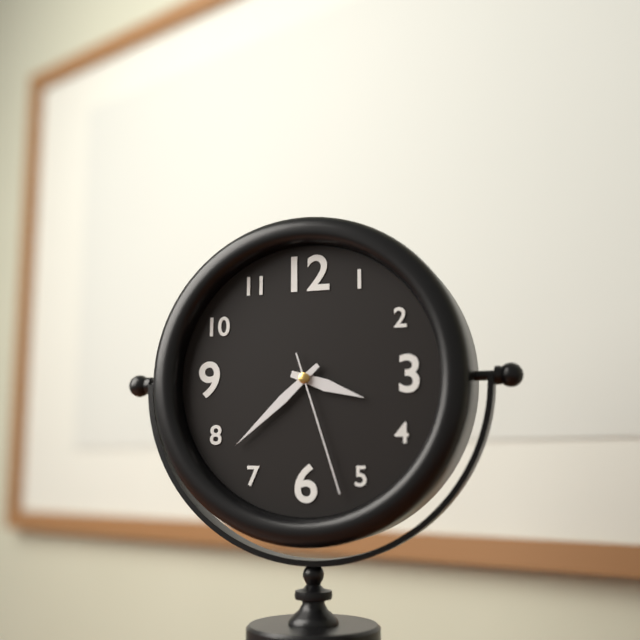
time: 3:38:27
